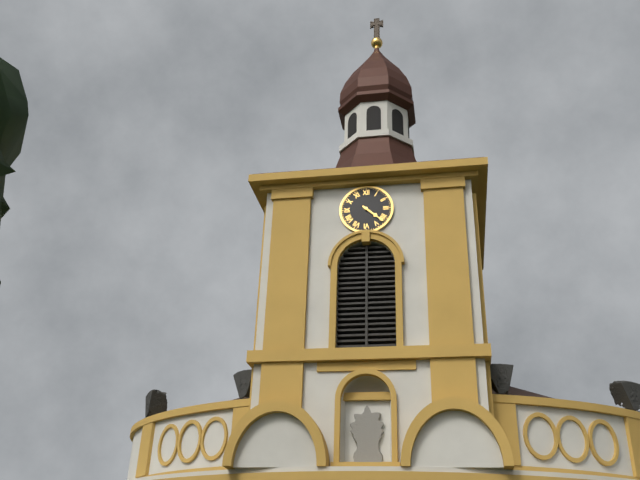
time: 4:22
